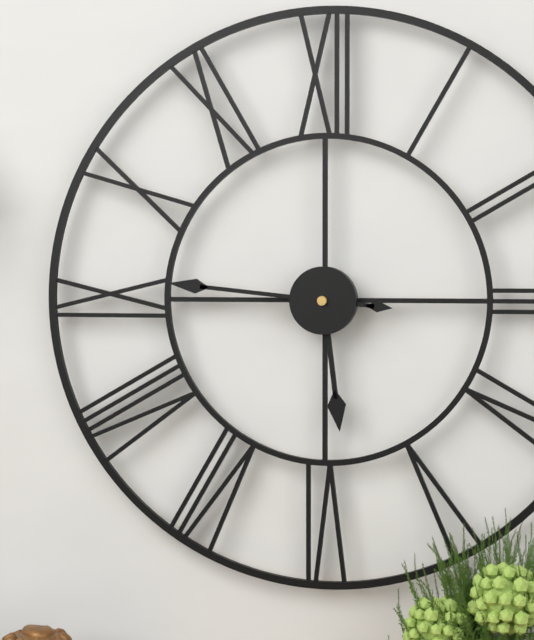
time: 5:46
